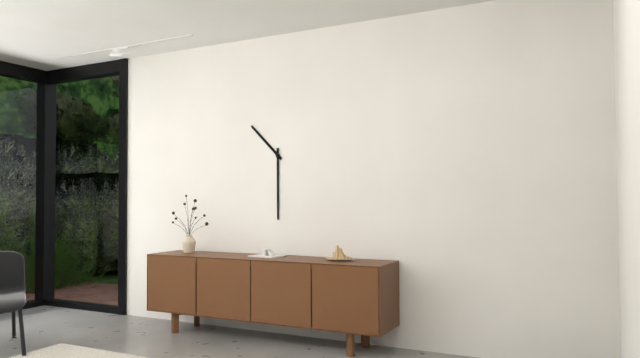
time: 10:30
